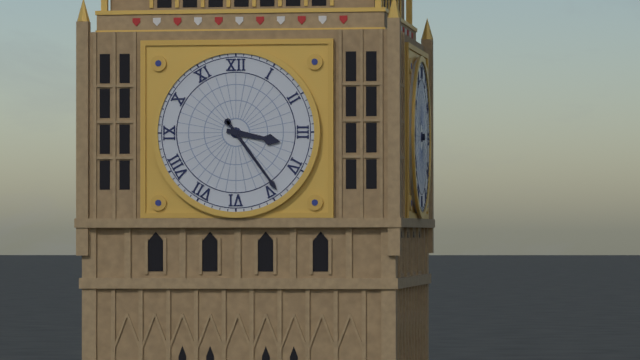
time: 3:24
